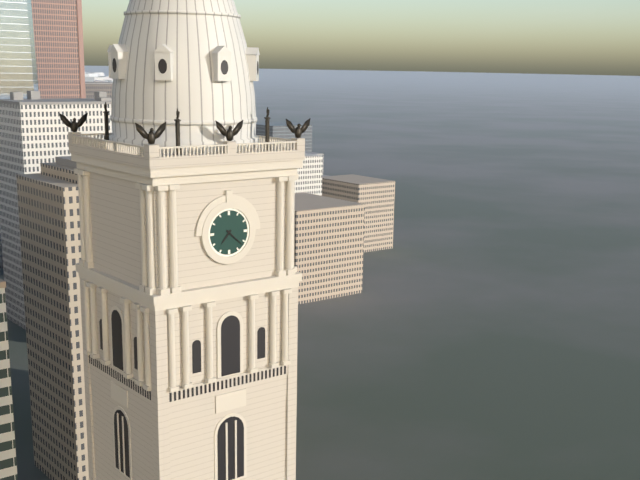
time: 7:22
